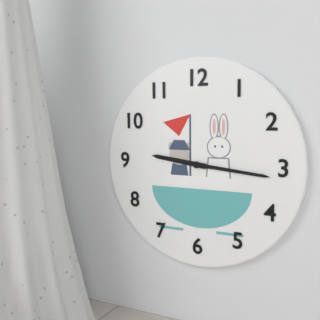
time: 9:16
